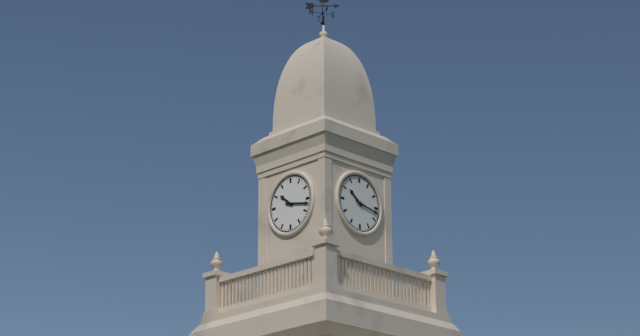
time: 10:17
